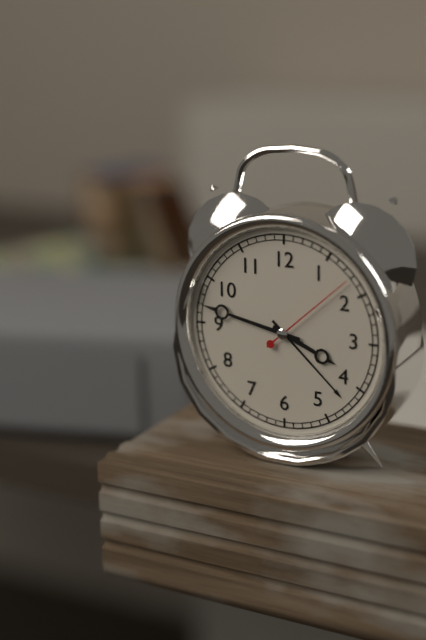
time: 3:47:08
